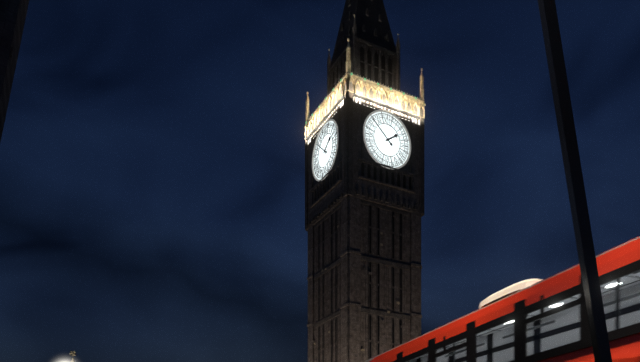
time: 1:52
